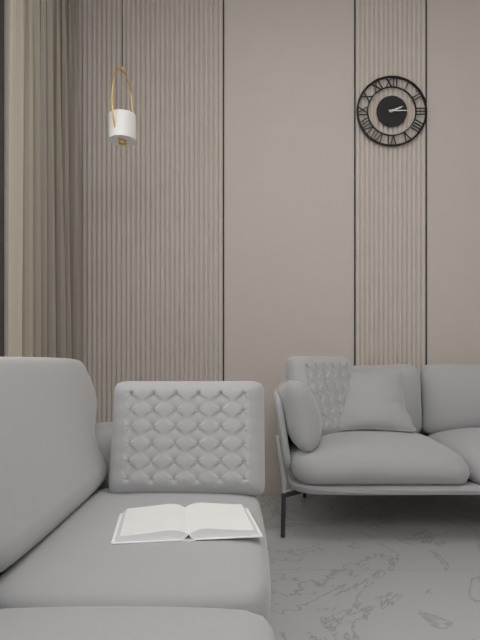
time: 2:15
